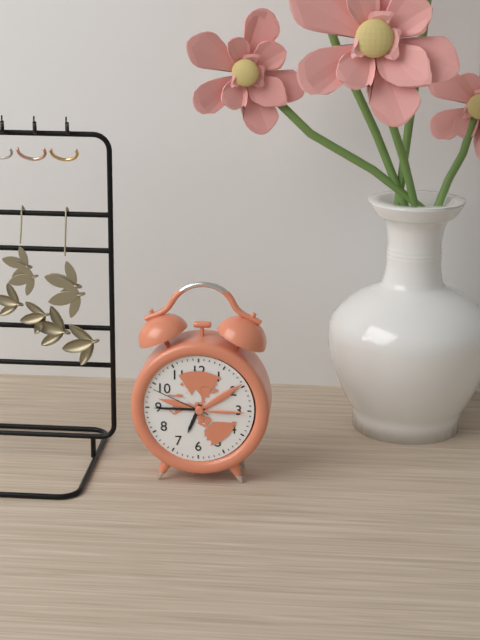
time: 6:45:49
